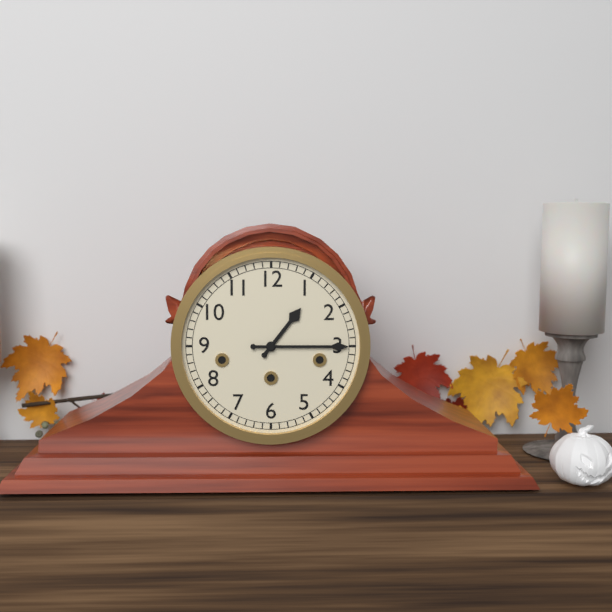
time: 1:15
